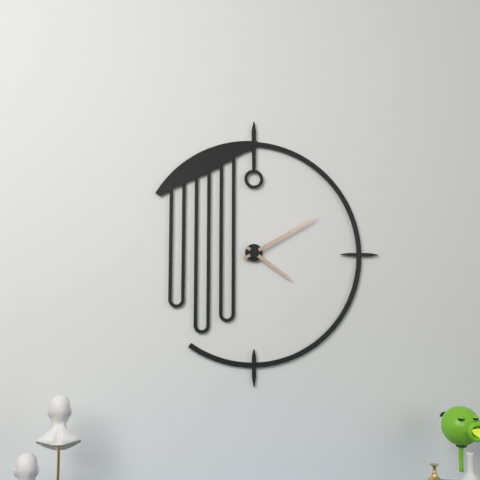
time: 4:10
